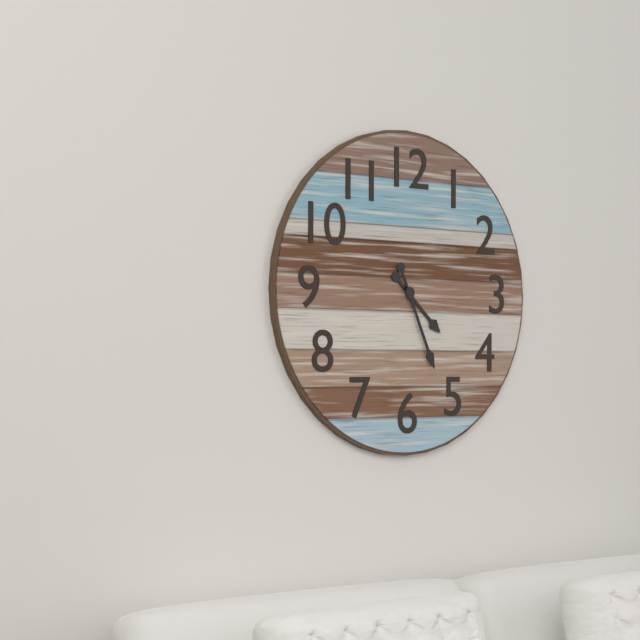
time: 4:26
